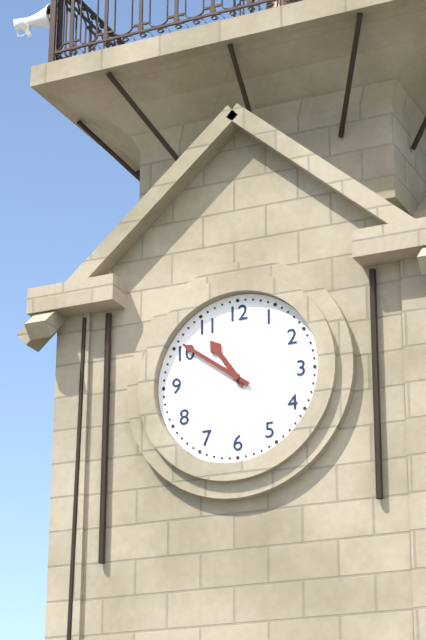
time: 10:51
